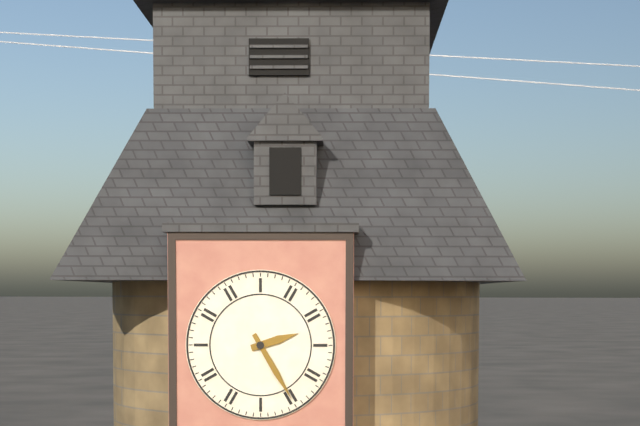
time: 2:25
